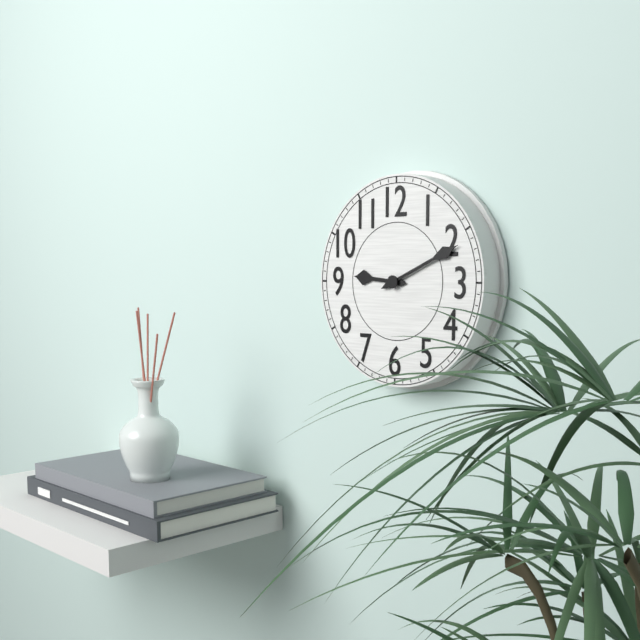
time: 9:11
